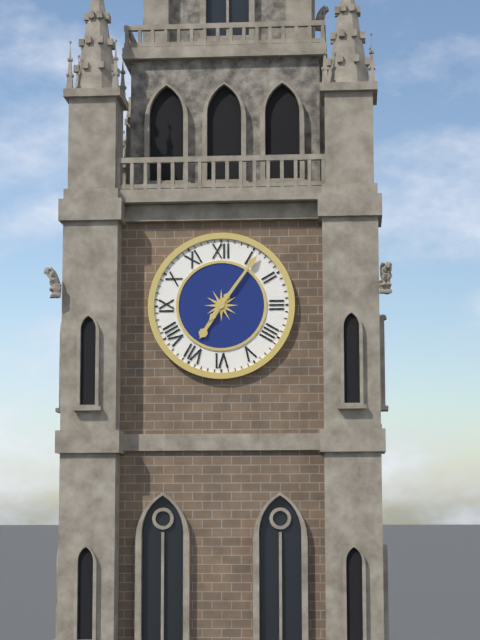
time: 7:06
